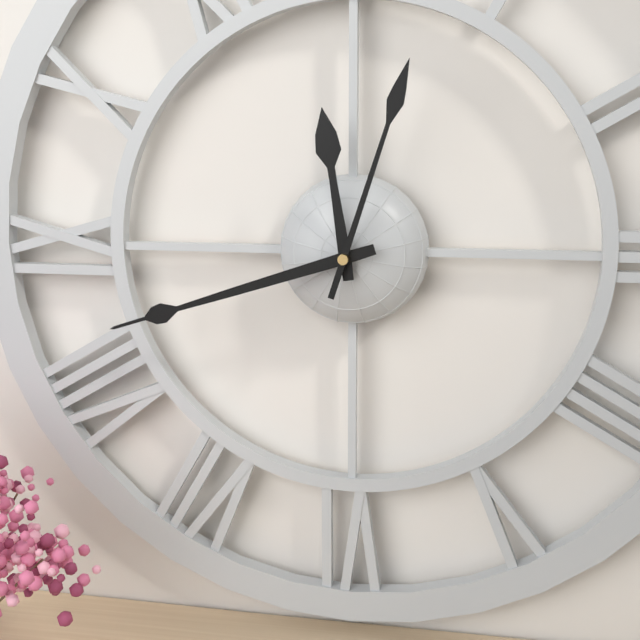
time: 11:42:03
